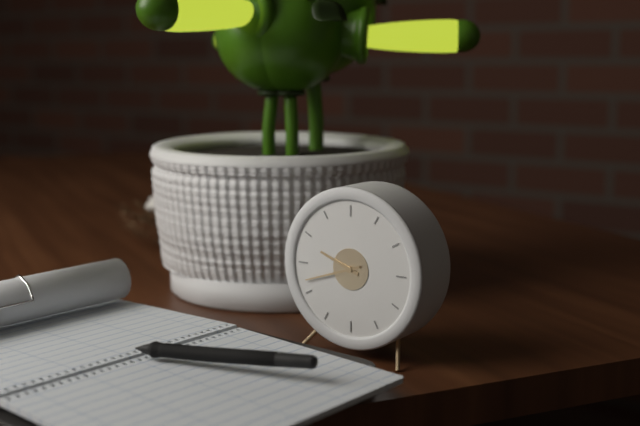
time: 9:42
